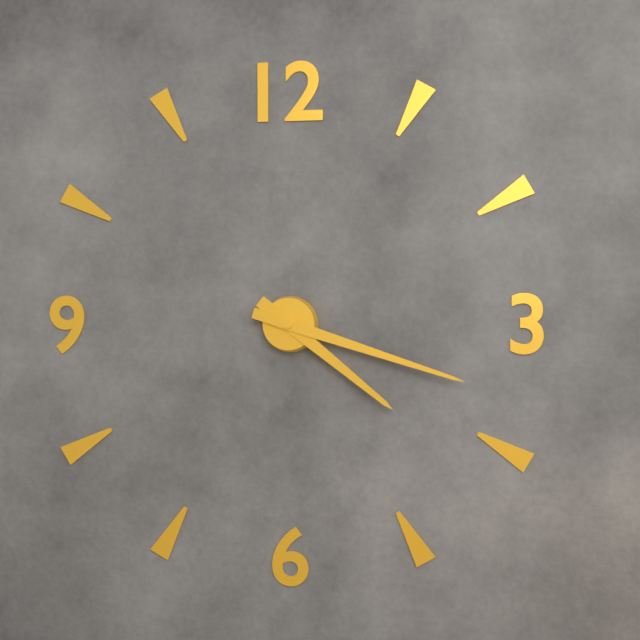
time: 4:18
